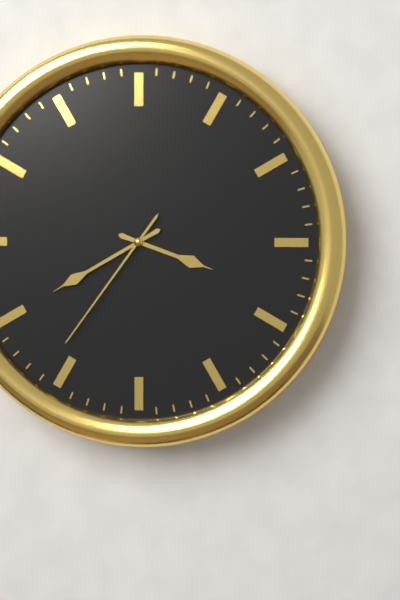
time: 3:40:36
